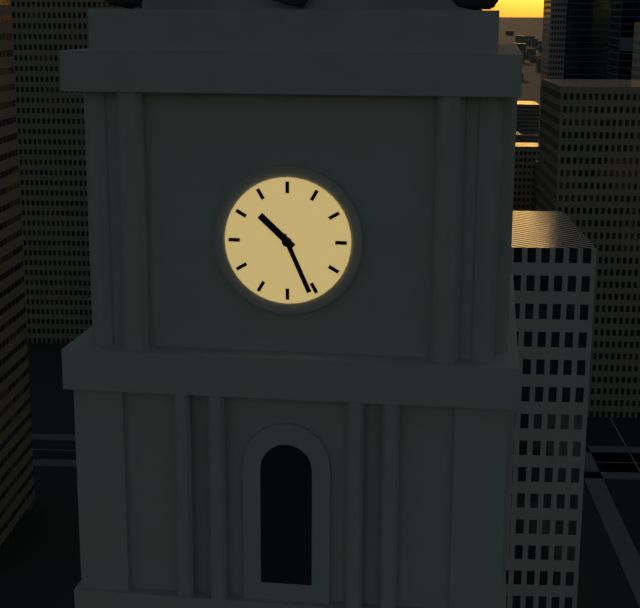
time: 10:26
